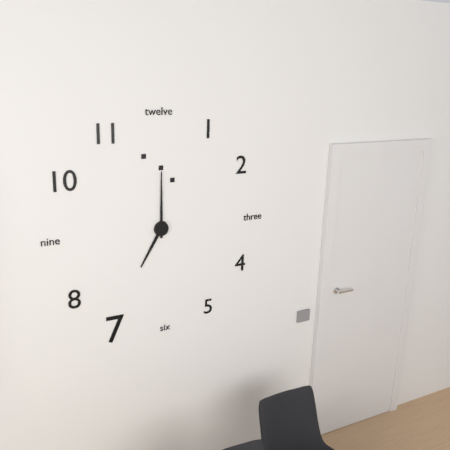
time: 7:00
